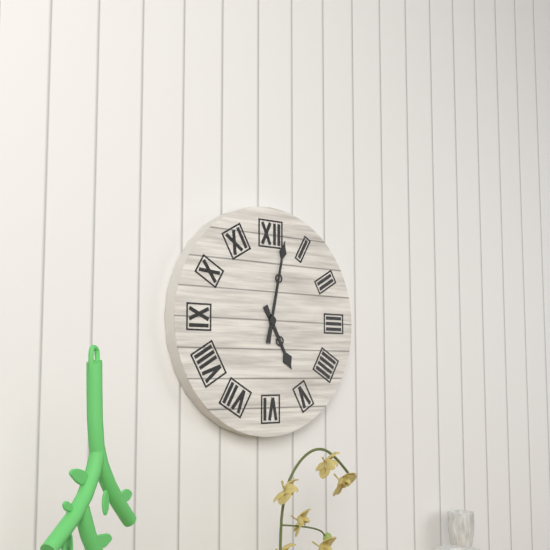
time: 5:02
